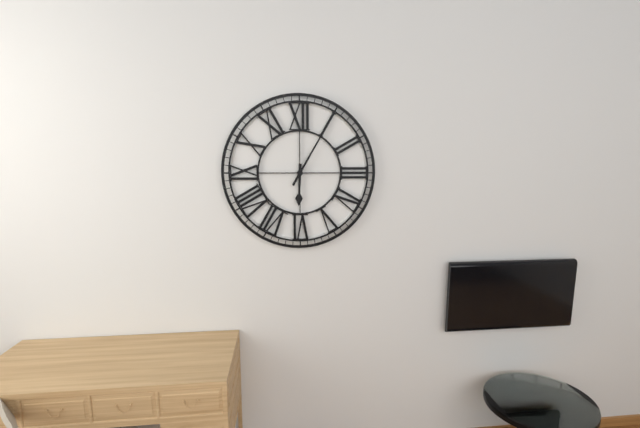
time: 6:05
